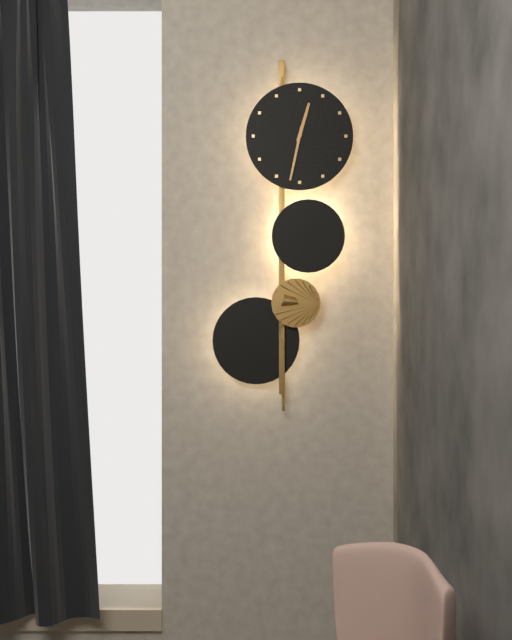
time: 12:32
